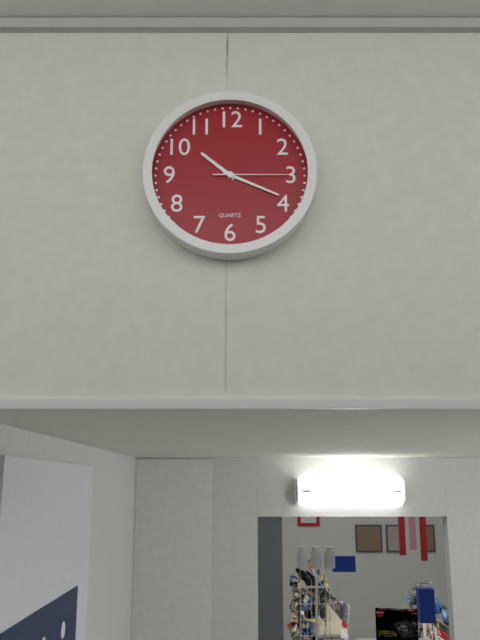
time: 10:19:15
